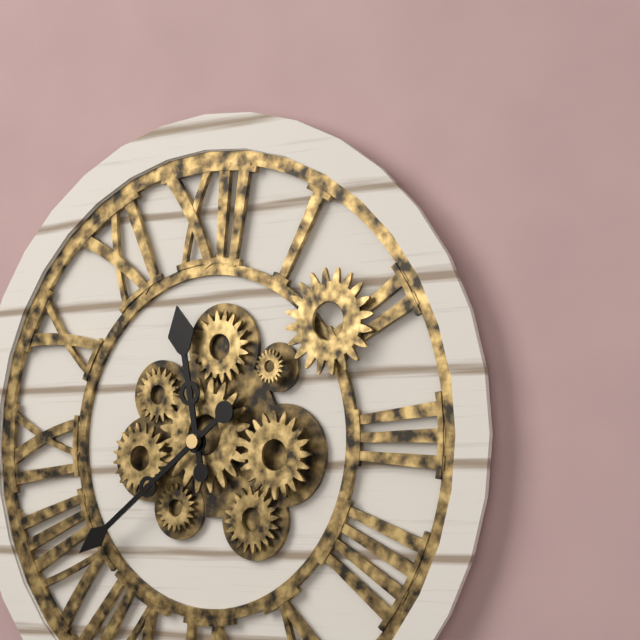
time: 11:39
